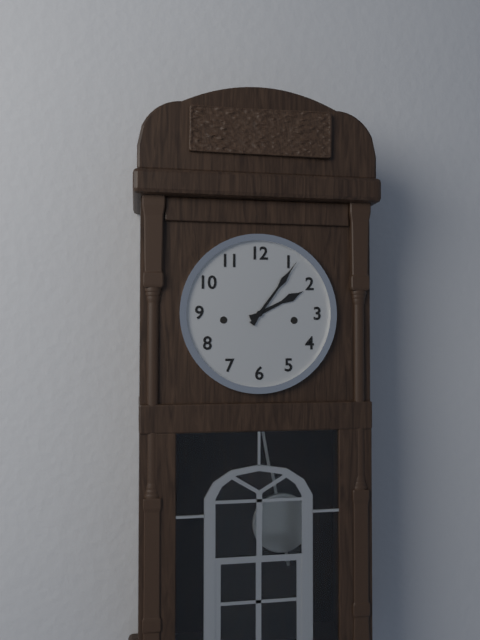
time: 2:06
